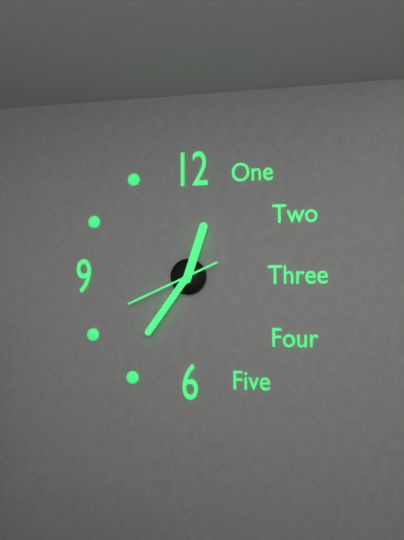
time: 12:36:41
